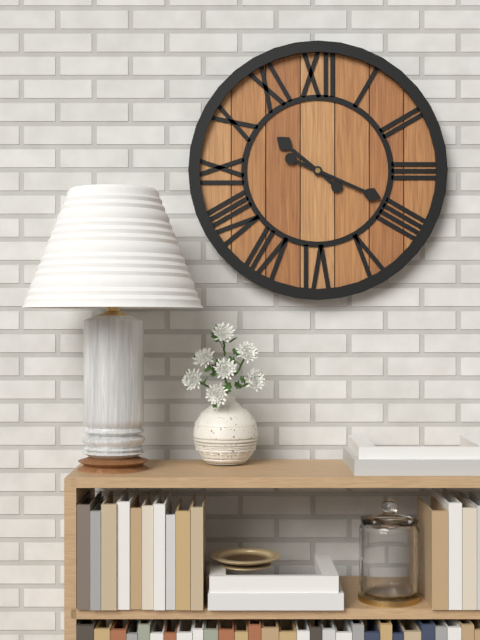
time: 10:19
